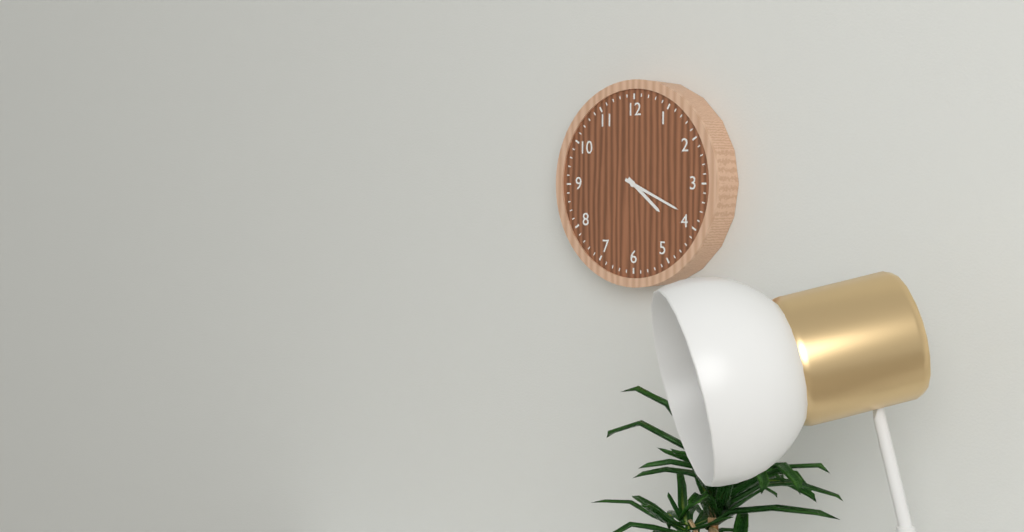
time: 4:19
